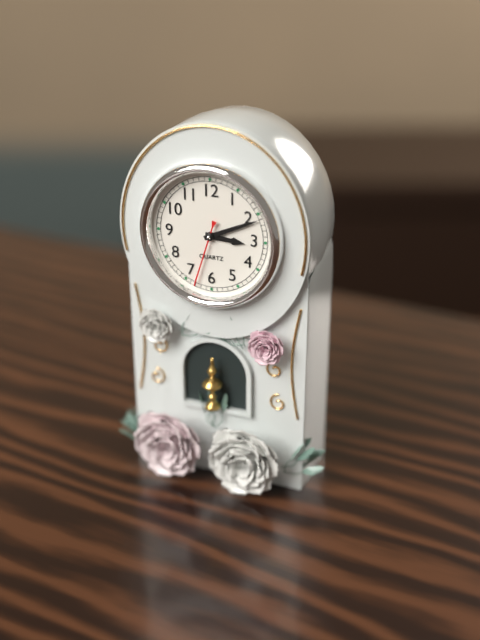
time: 3:11:33
